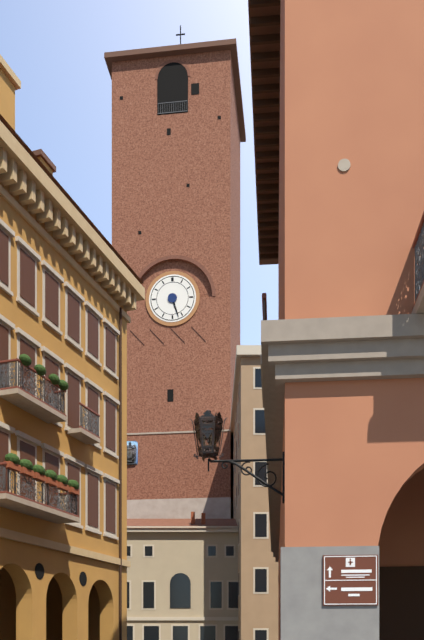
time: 5:27
